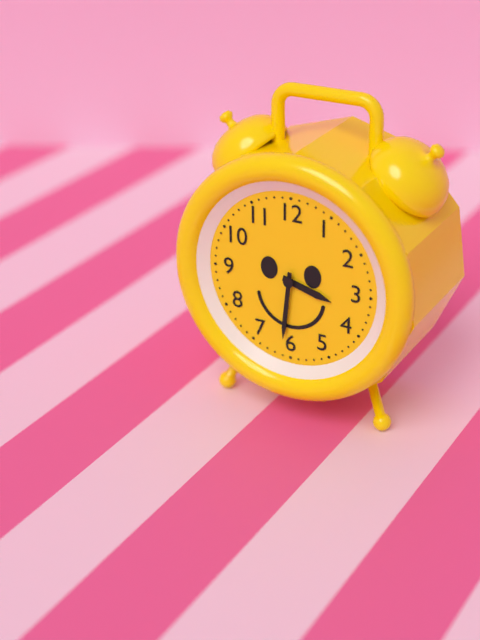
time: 3:31
